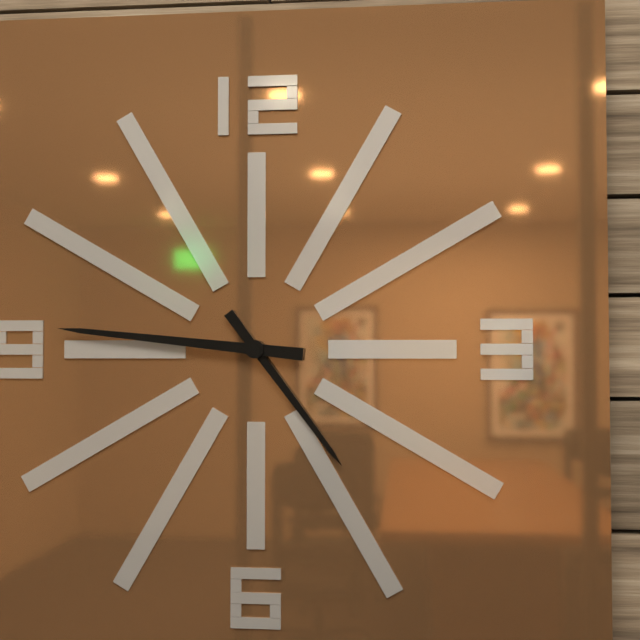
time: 4:46
